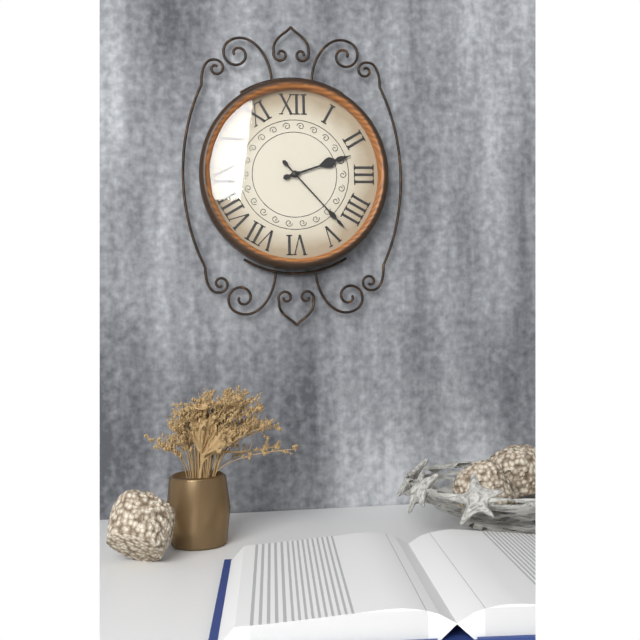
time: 2:23
